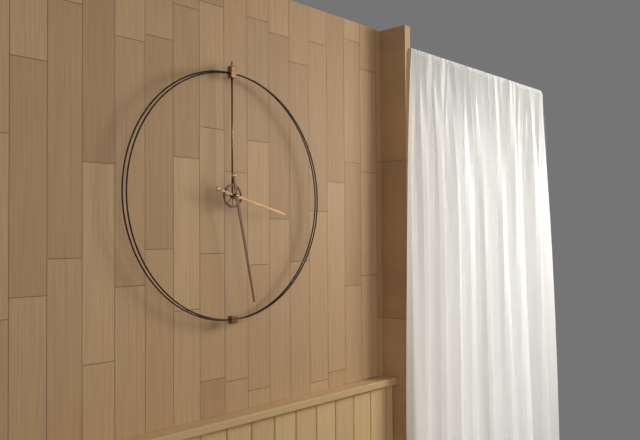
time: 3:28
